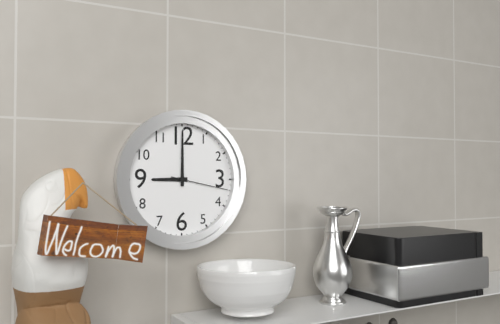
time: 9:00:17
